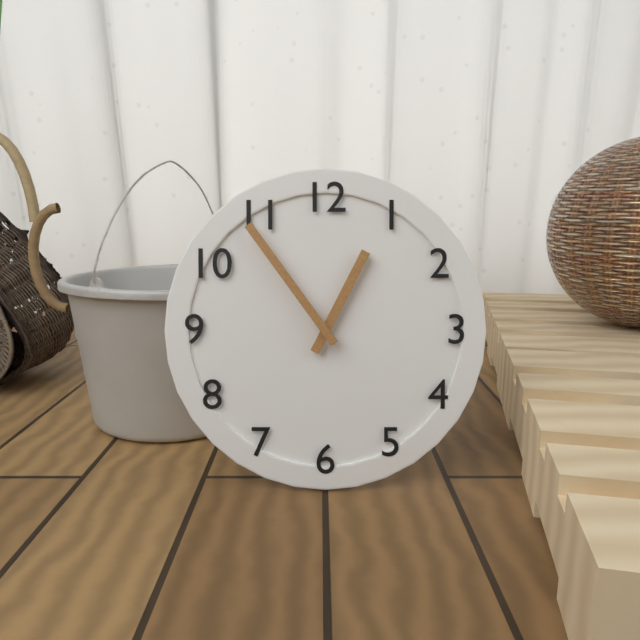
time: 12:54
